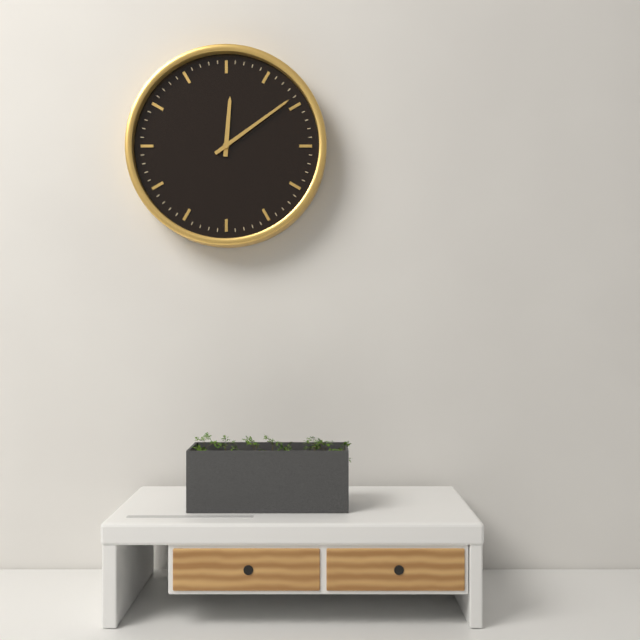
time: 12:09
